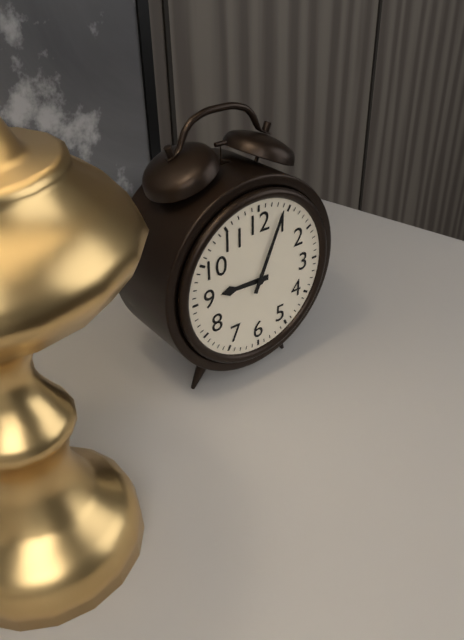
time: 9:04
